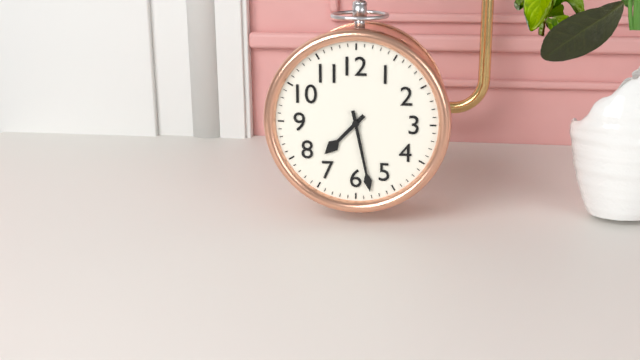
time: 7:28
